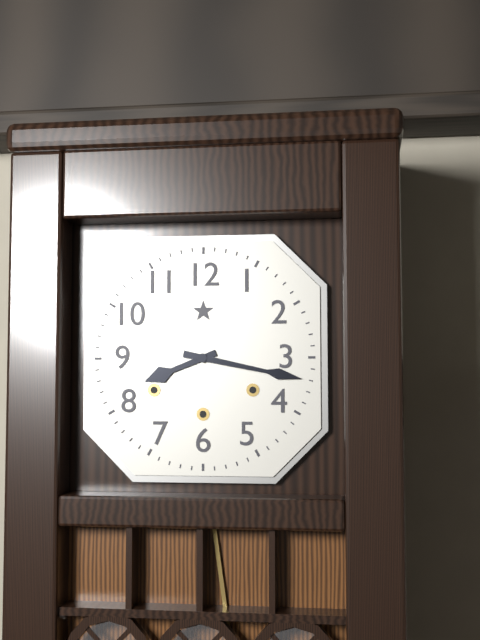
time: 8:17
